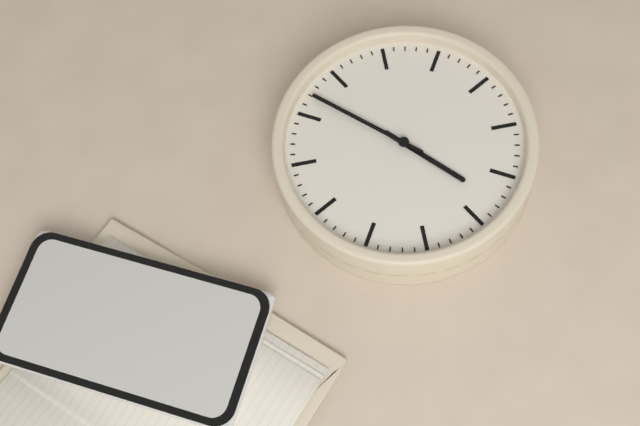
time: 12:32
